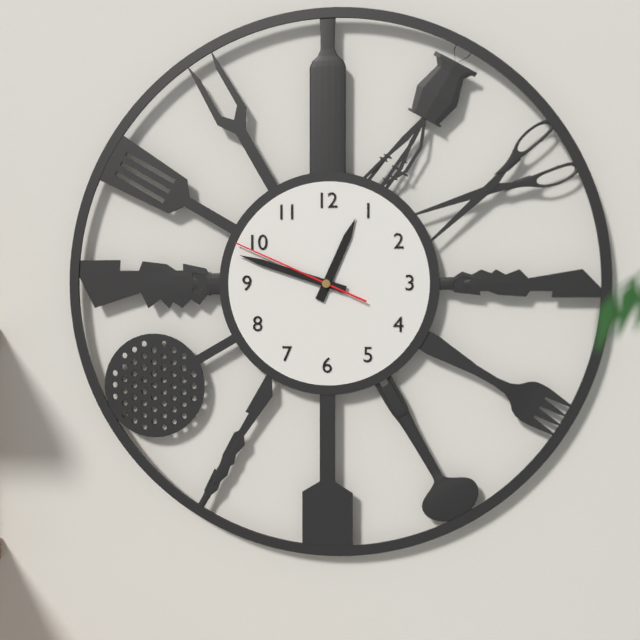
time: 12:48:49
